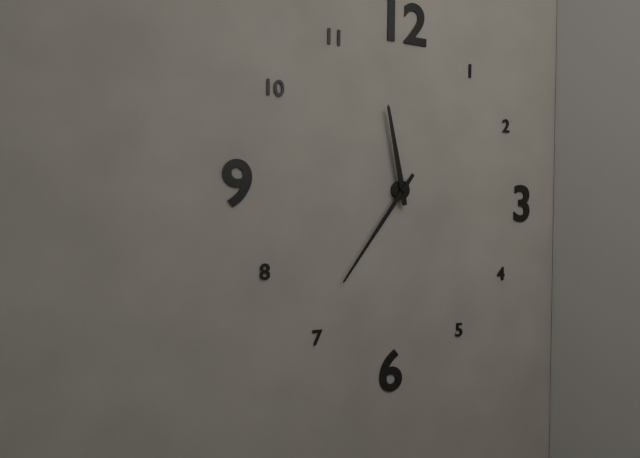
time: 11:36
